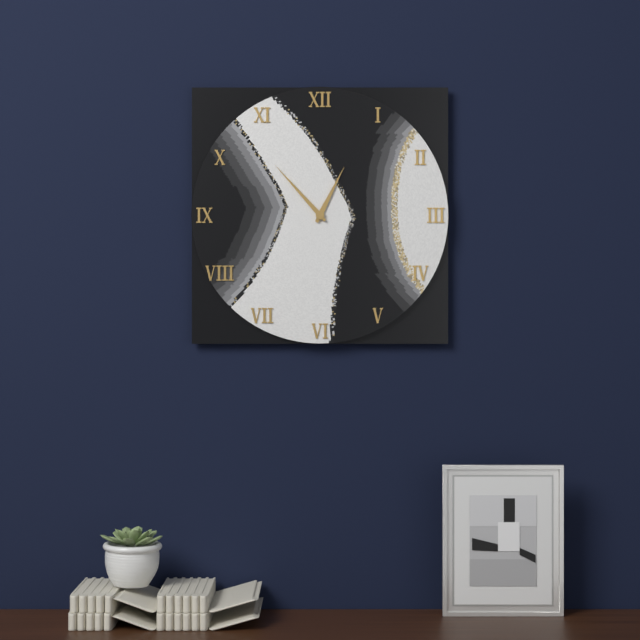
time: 12:53
